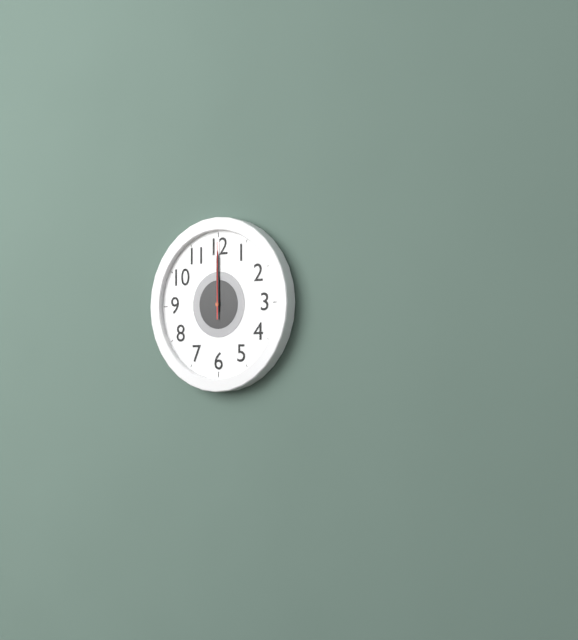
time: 12:00:00
